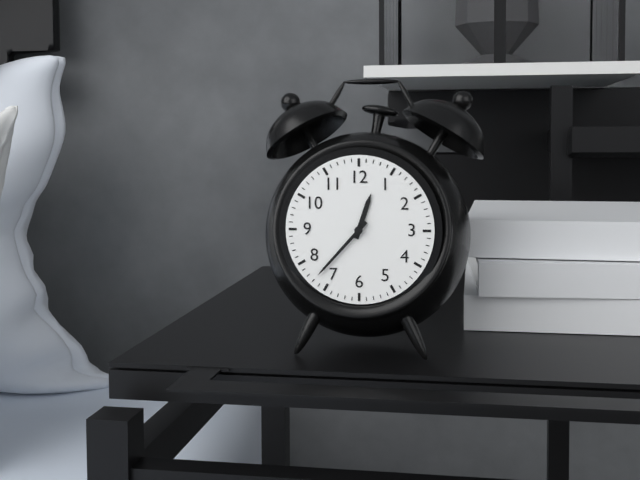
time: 12:37
